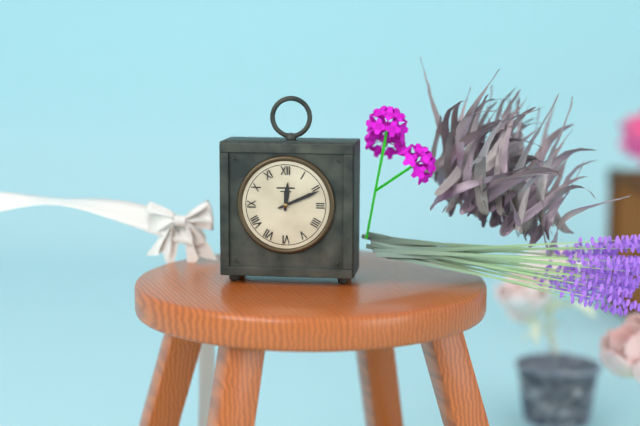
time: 12:11
